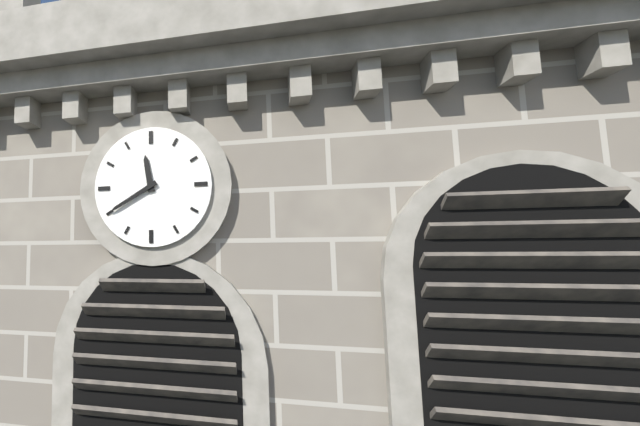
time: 11:40
